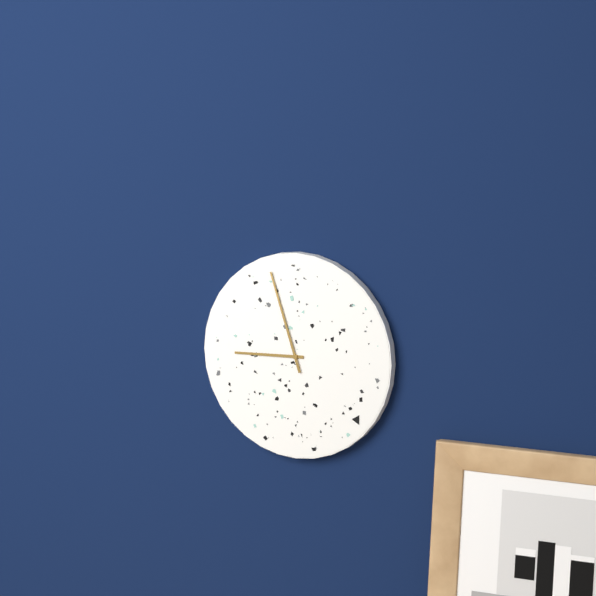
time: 8:57
